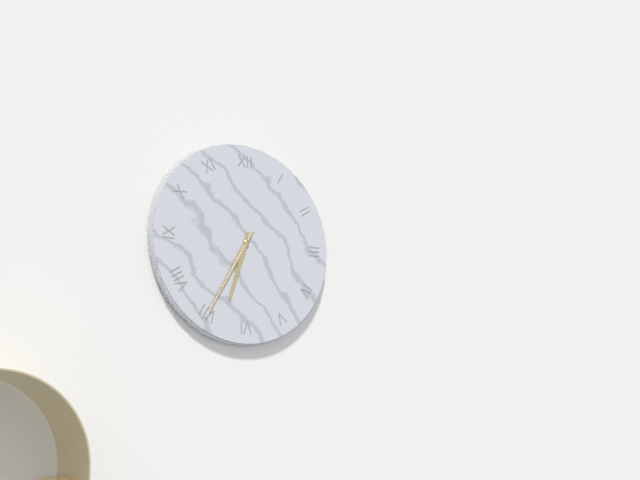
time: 6:35:35
